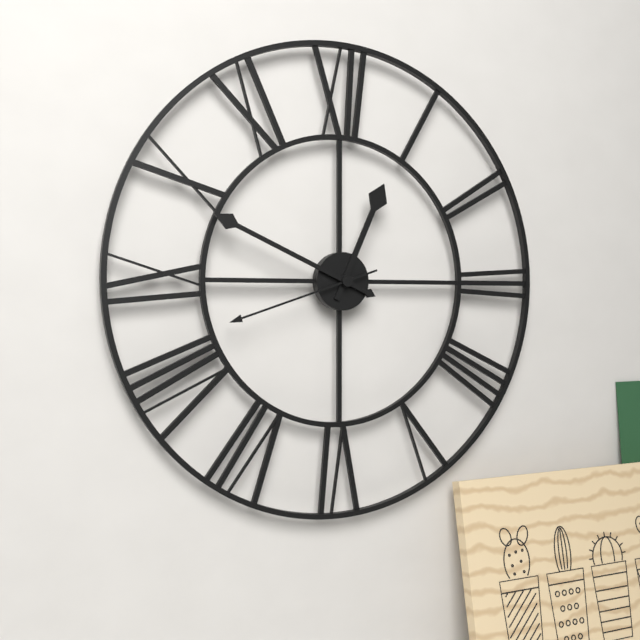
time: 12:49:42
